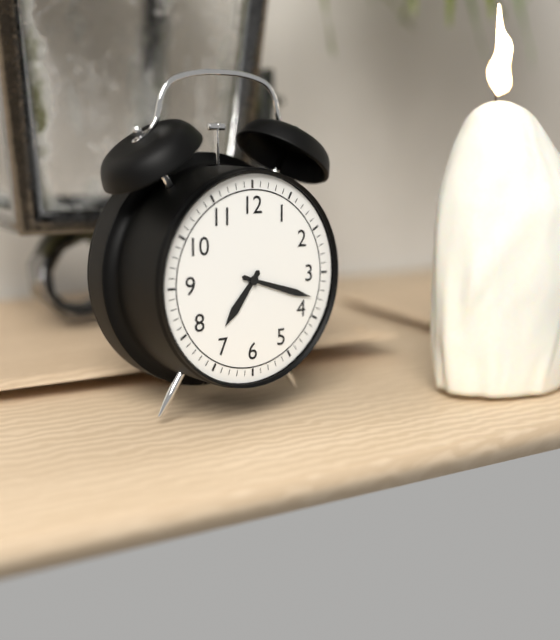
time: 7:18
